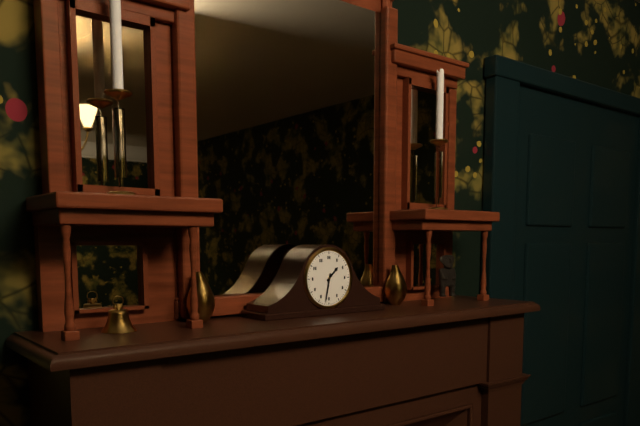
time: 1:32
